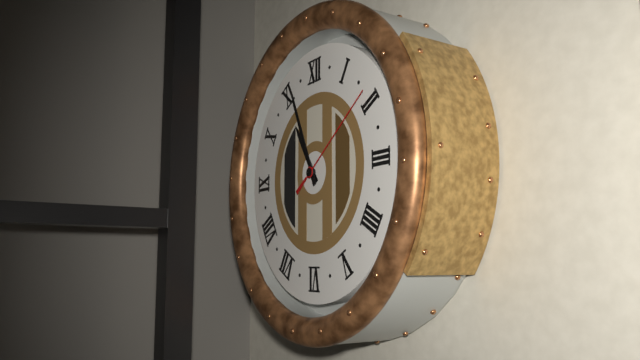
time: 10:56:09
